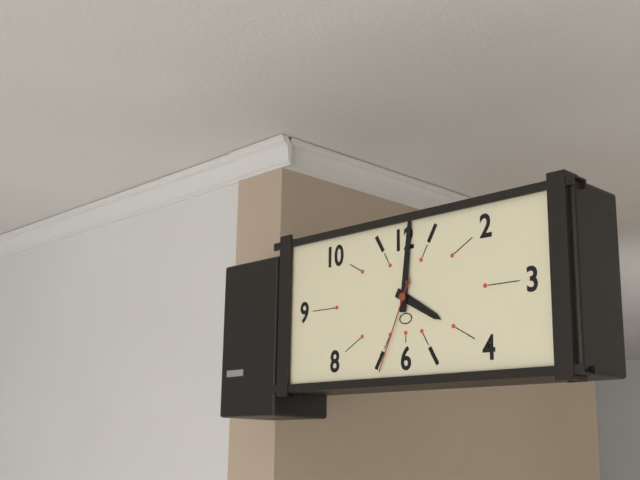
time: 4:01:34
